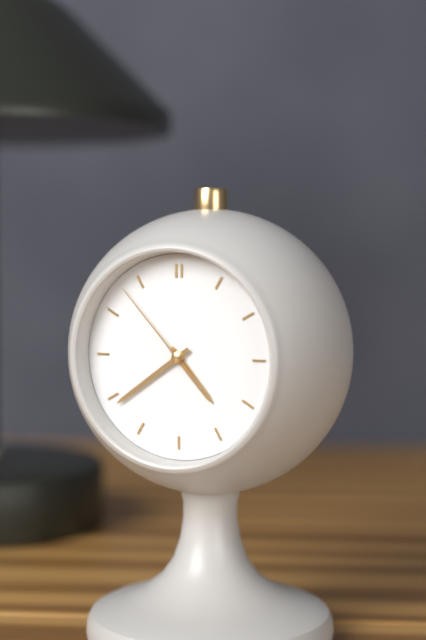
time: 4:39:53
